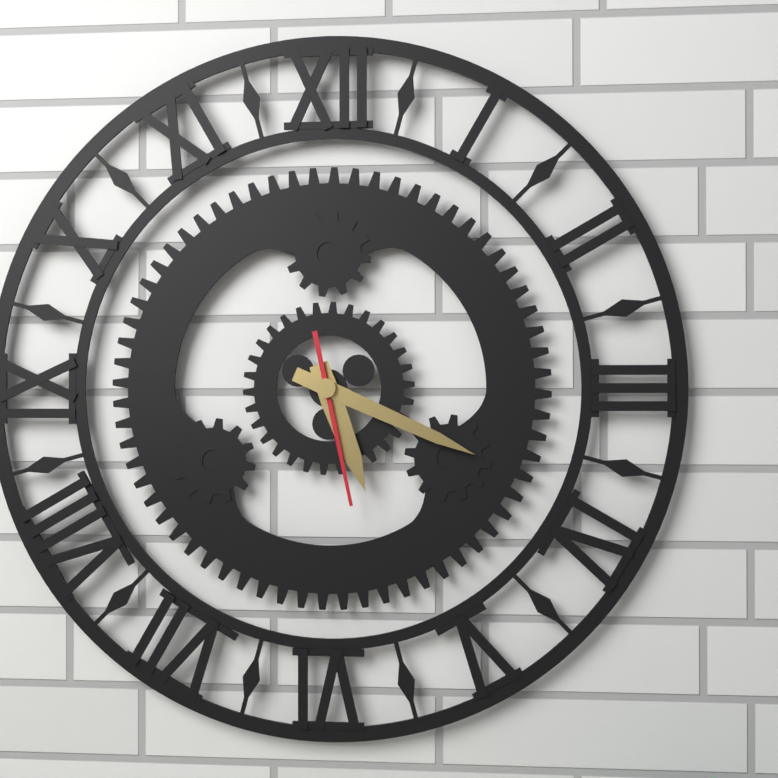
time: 5:19:28
